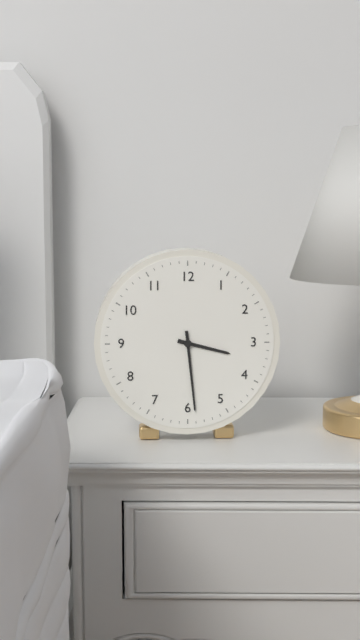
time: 3:29
